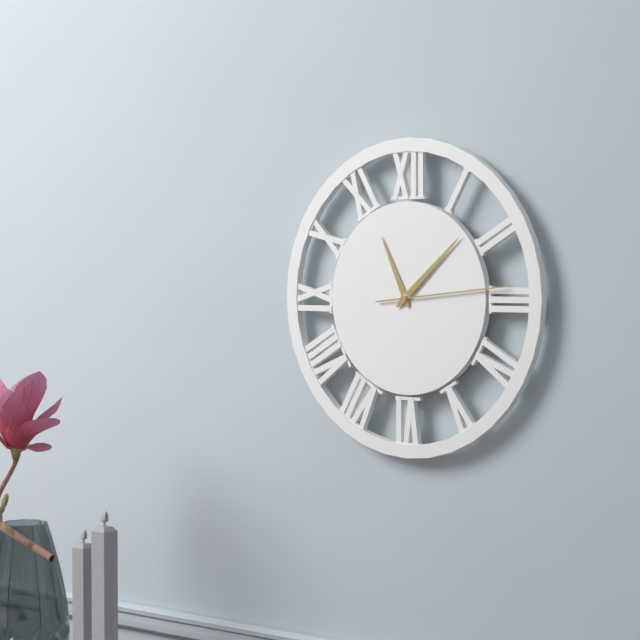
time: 11:08:14
